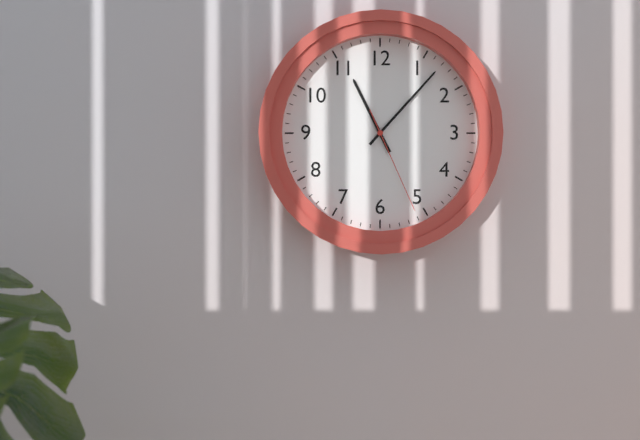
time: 11:07:26
